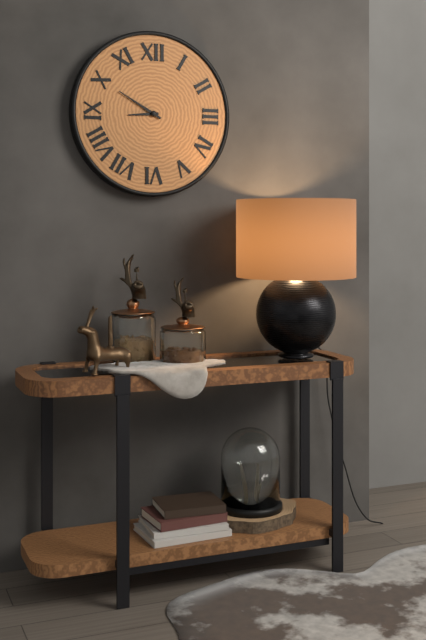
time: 8:50
